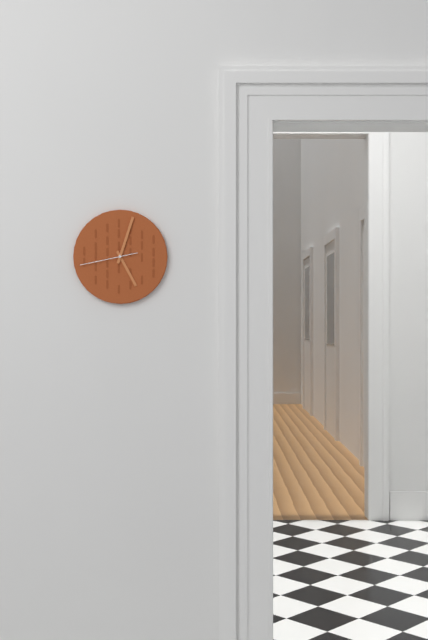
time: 5:03:43
